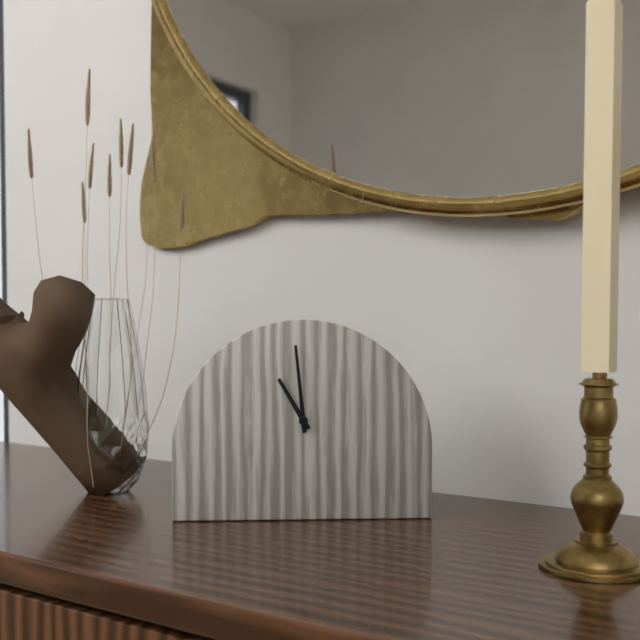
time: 10:59
